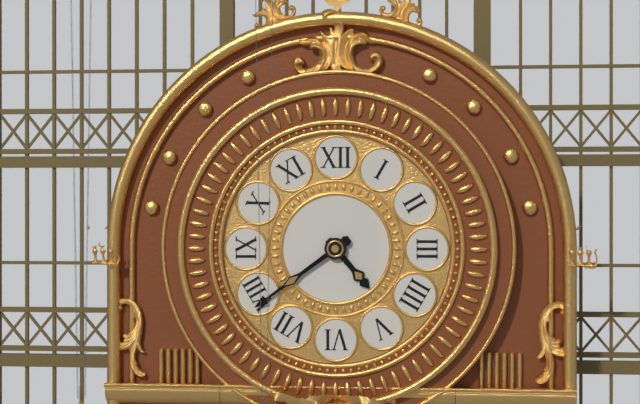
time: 4:39
